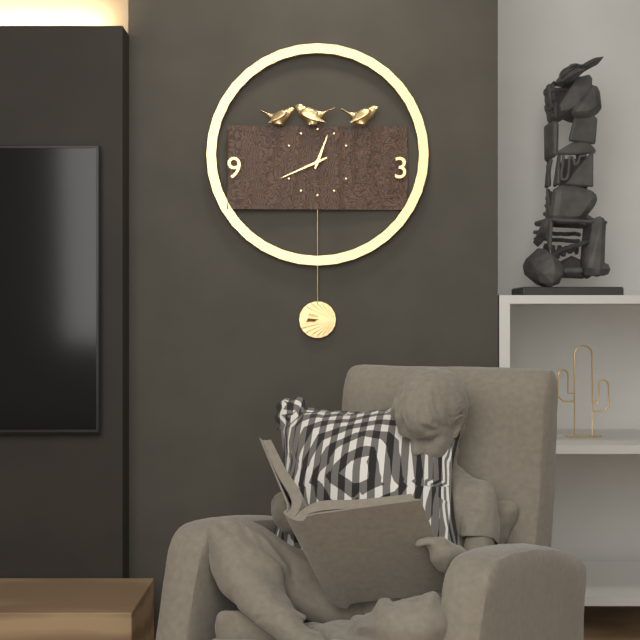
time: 12:41
